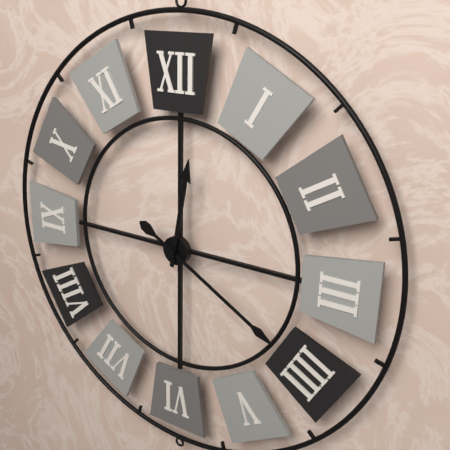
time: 12:20
